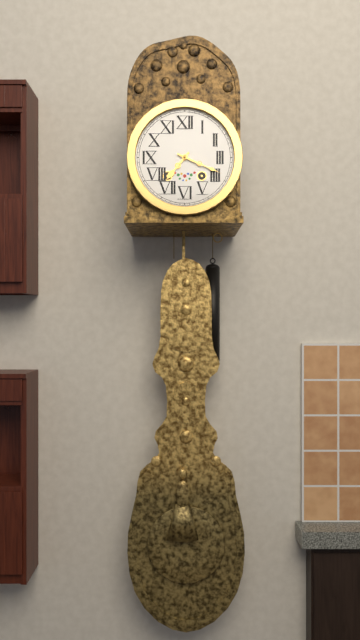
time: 7:19
